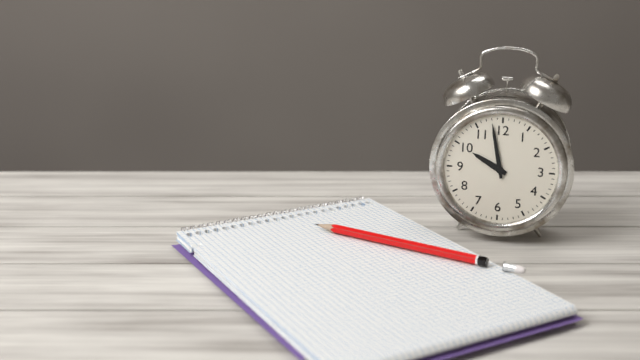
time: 9:58
